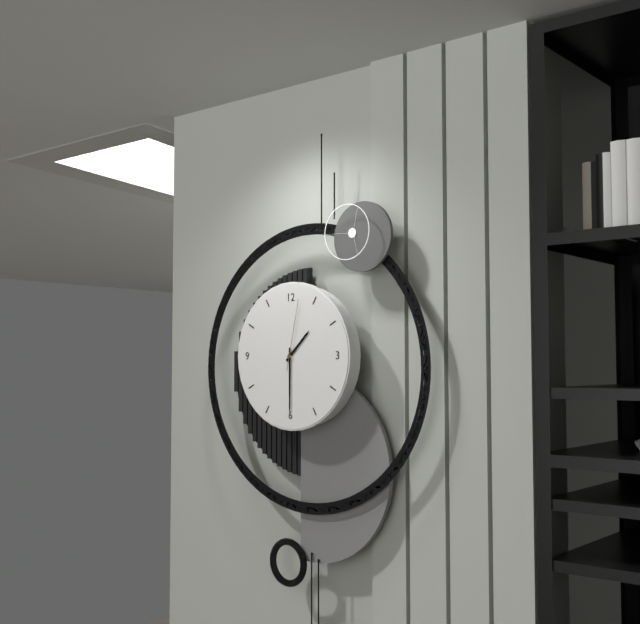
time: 1:30:02
